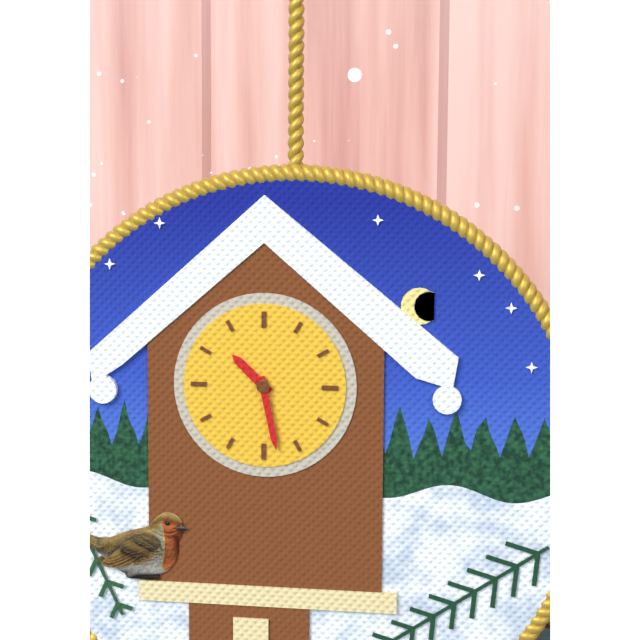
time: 10:28
